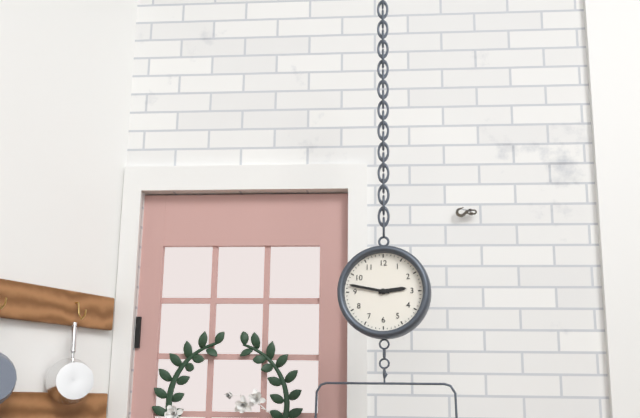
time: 2:47
